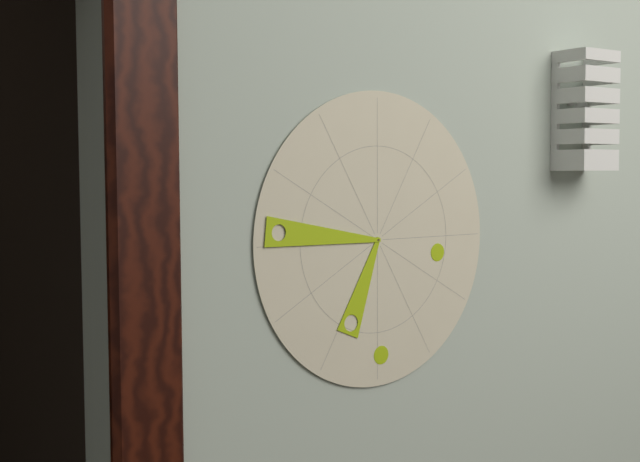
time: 6:46
